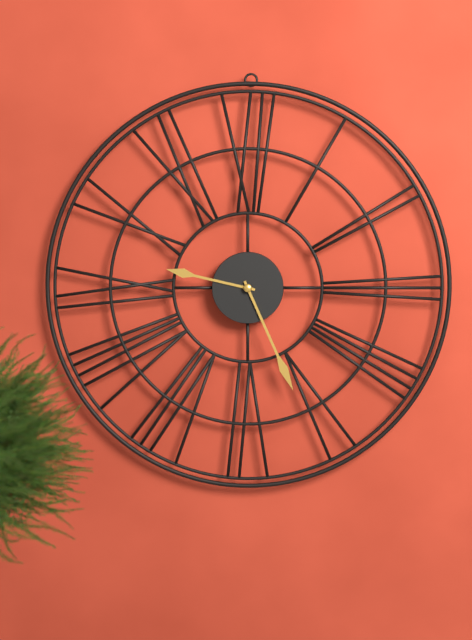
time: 9:26
